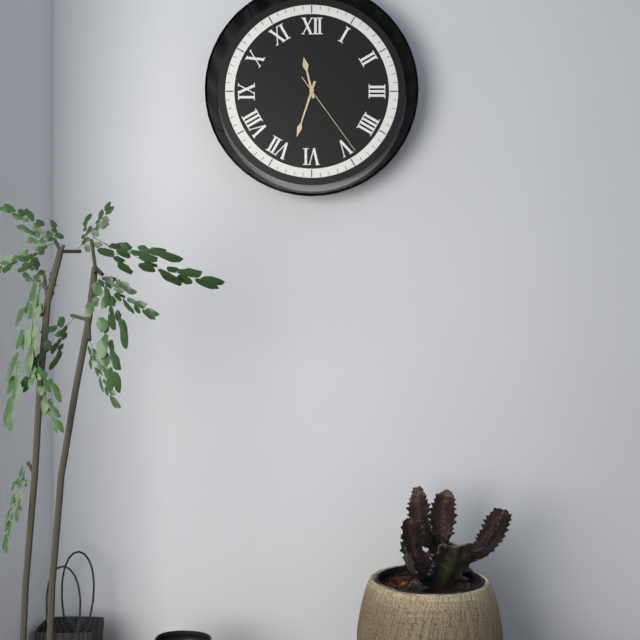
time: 11:33:24
